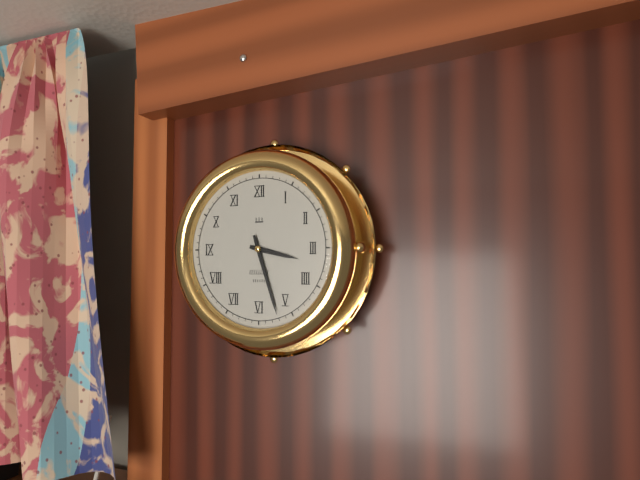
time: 3:27
